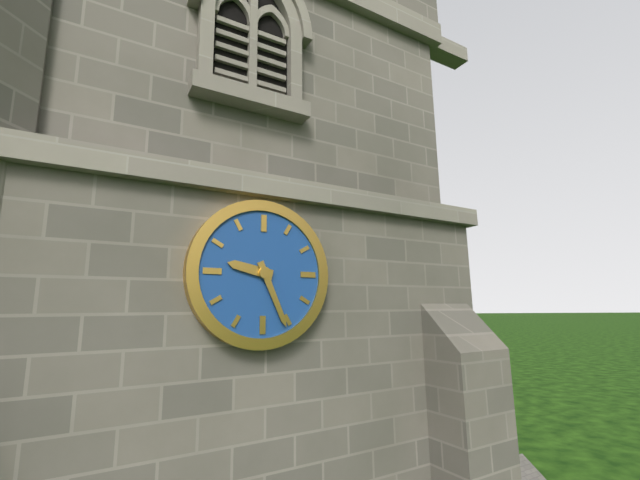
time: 9:26
